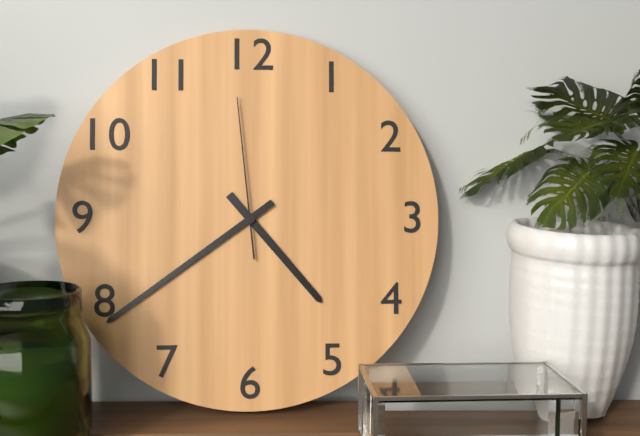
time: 4:39:59
